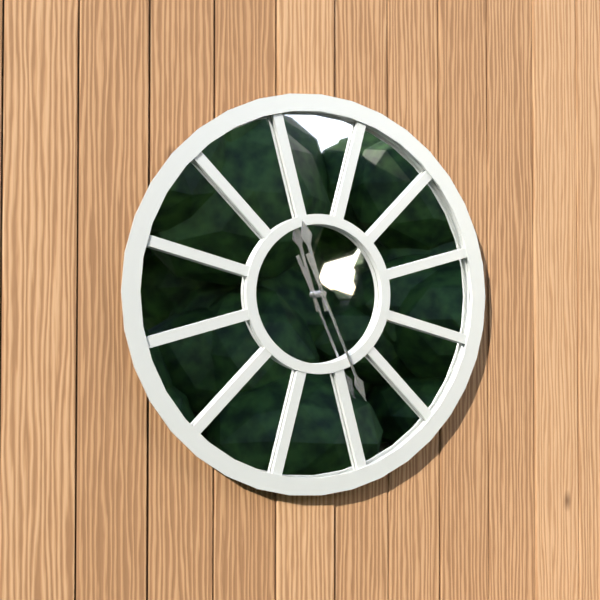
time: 11:26
